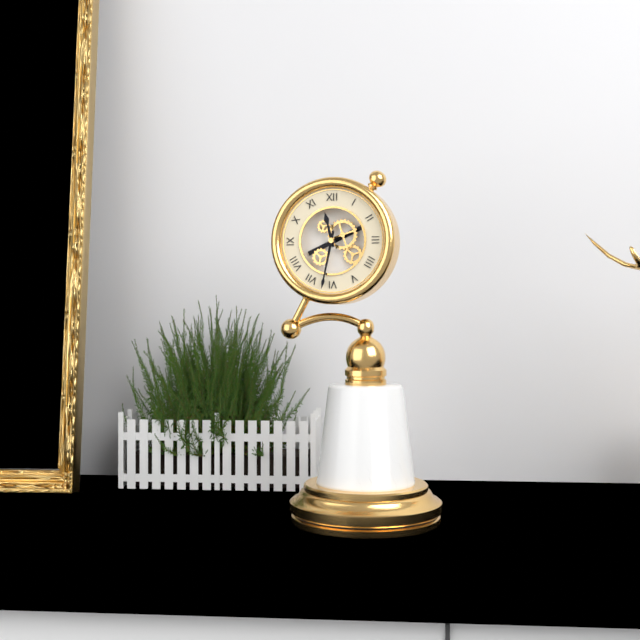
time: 11:32
